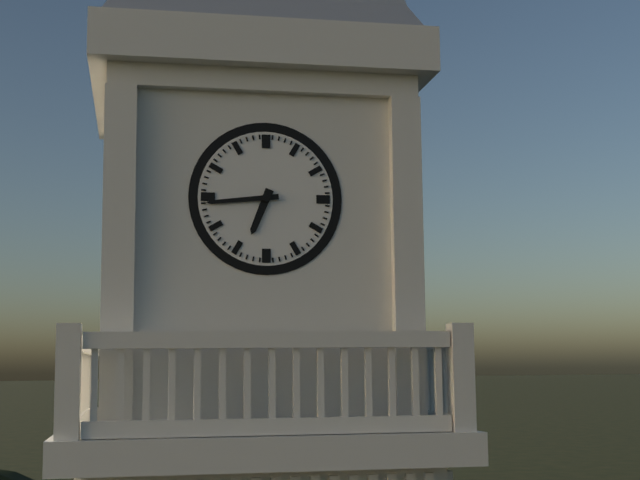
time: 6:44
